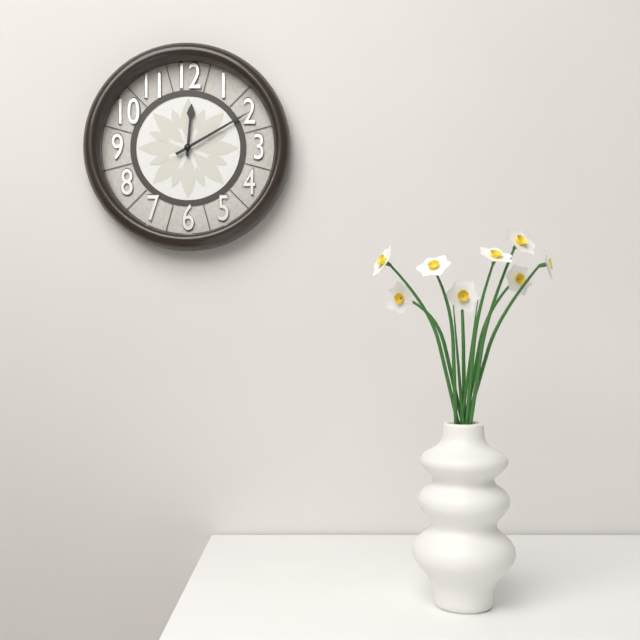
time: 12:10
